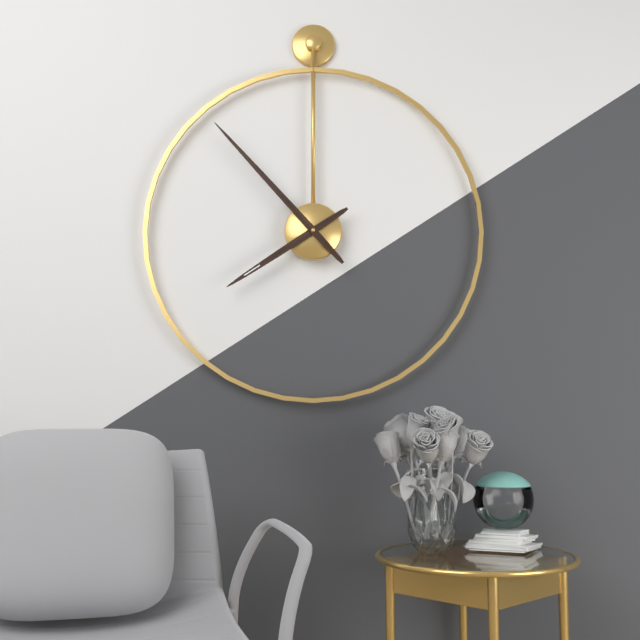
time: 7:53
